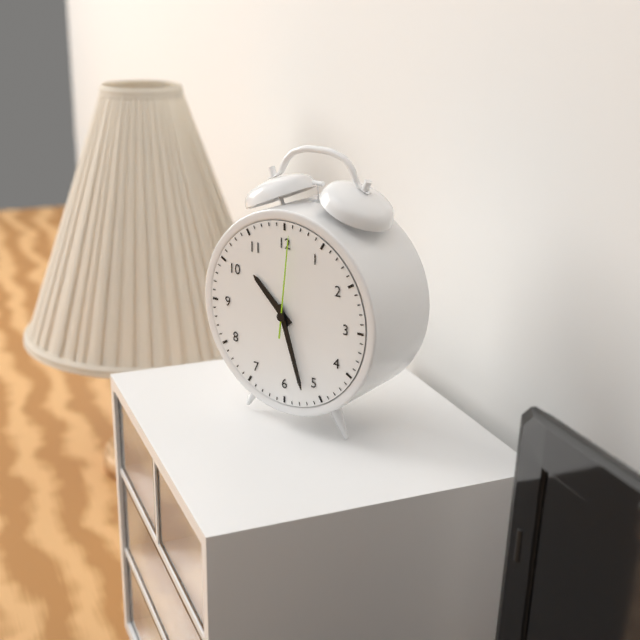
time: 10:27:01
